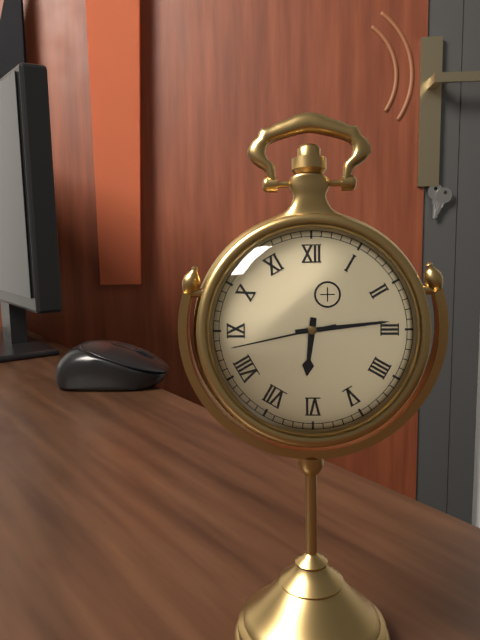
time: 6:14:43
